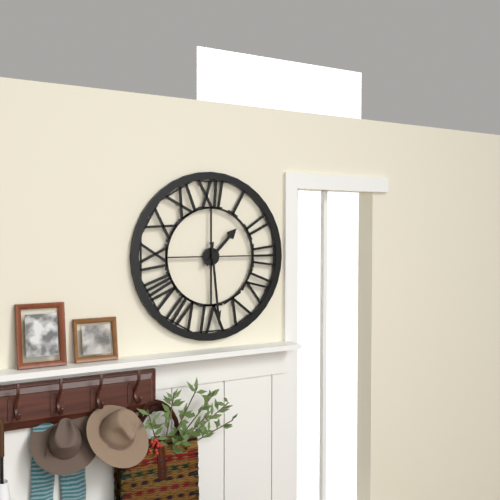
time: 1:29
